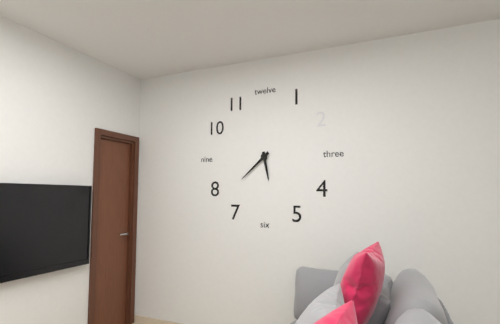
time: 5:38
